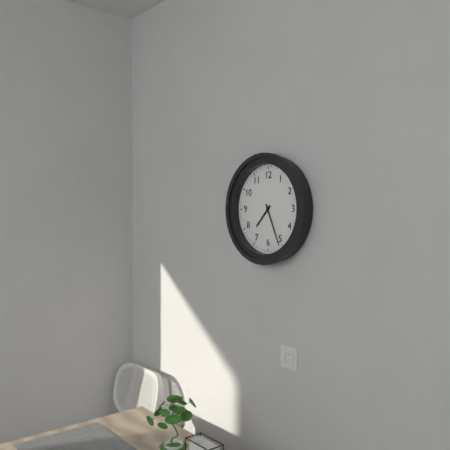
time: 7:26
